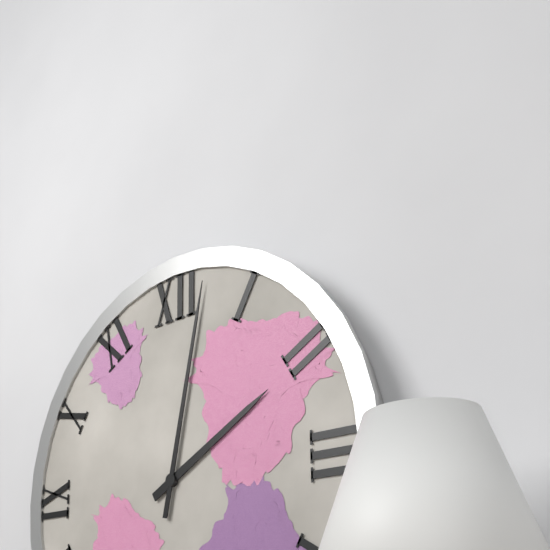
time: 2:02
